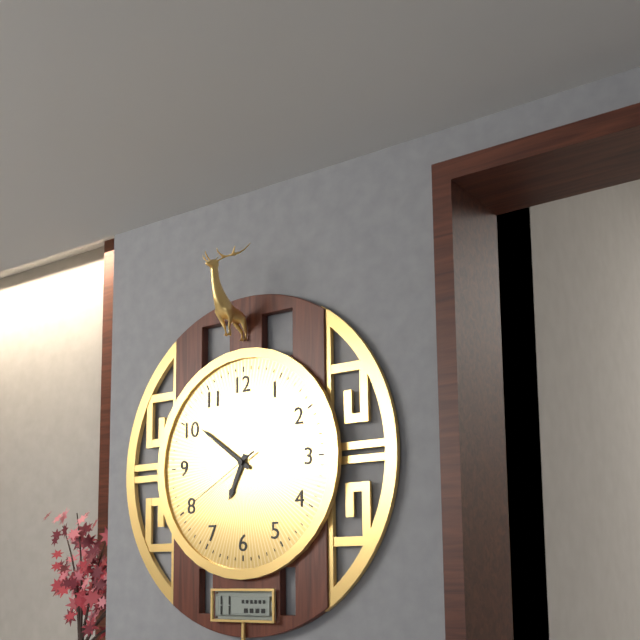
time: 6:51:40
